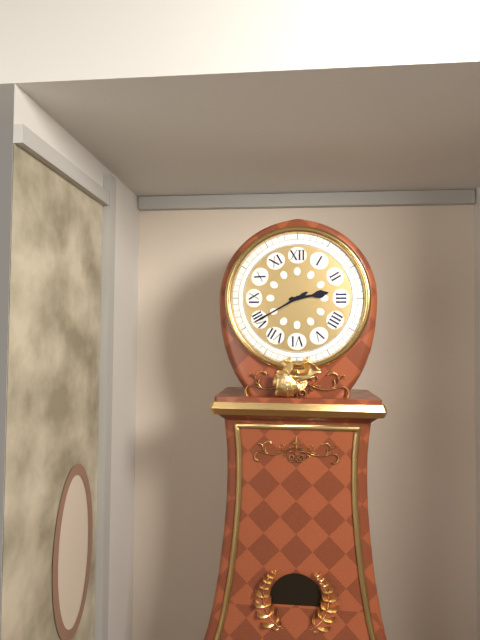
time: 2:40
